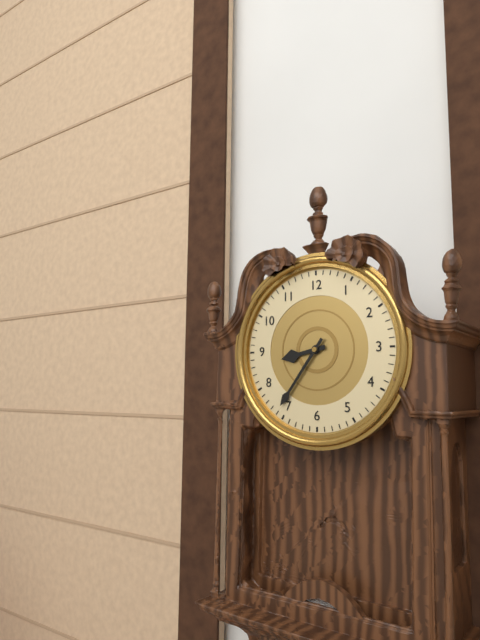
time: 8:36
